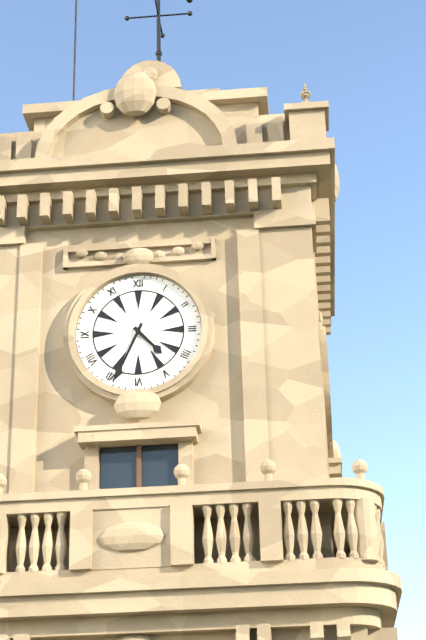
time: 4:34
